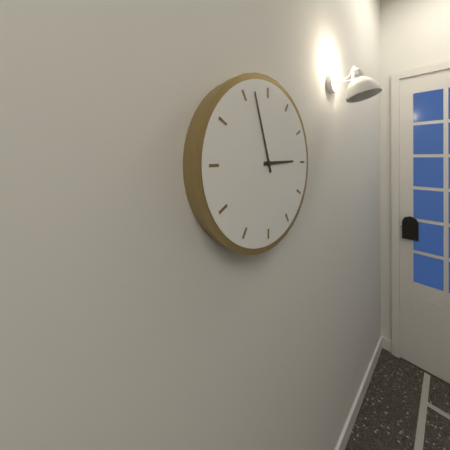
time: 2:57
